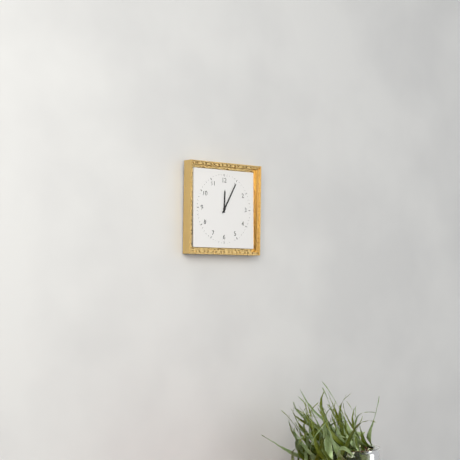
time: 12:05
